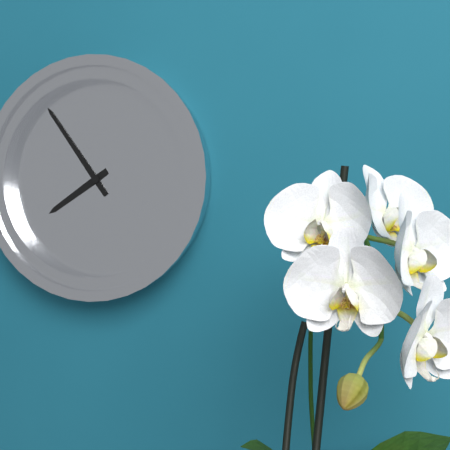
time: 7:54
